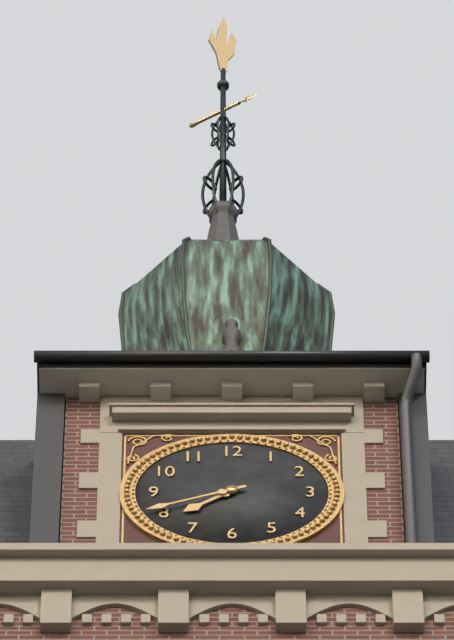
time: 7:41
